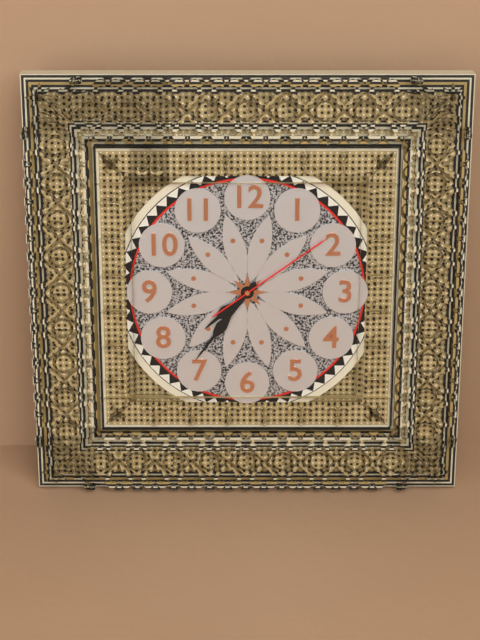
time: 7:36:09
